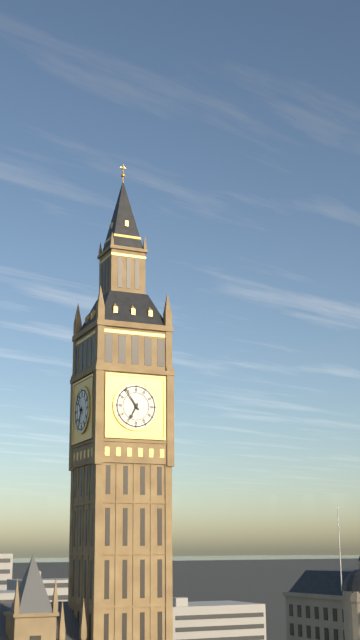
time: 6:54
